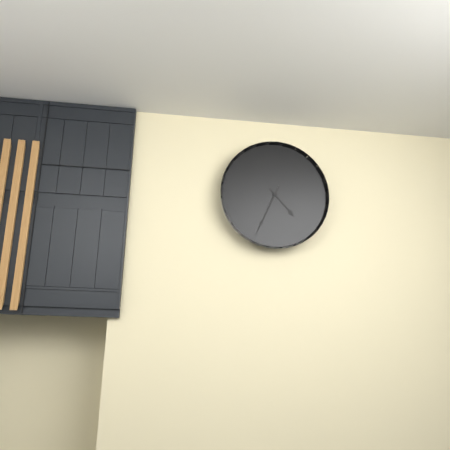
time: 4:34
